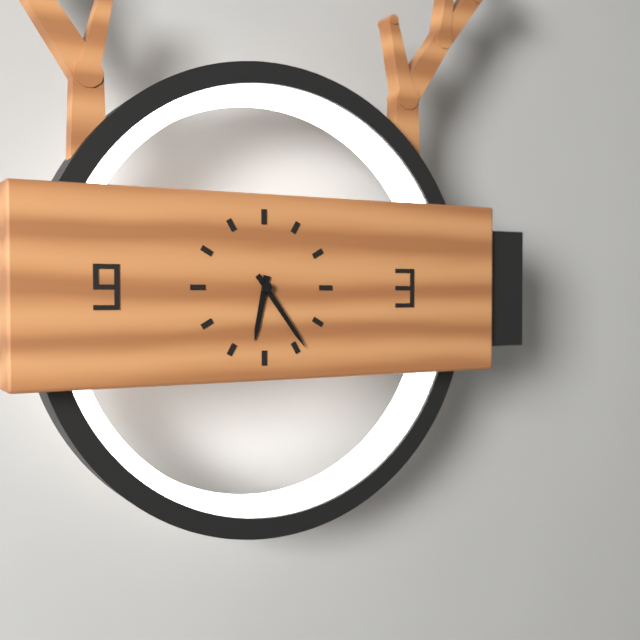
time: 6:24
